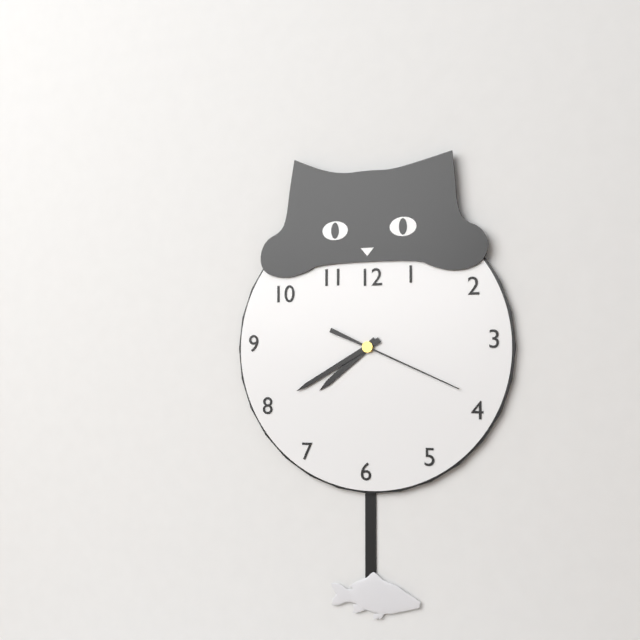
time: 7:40:19
